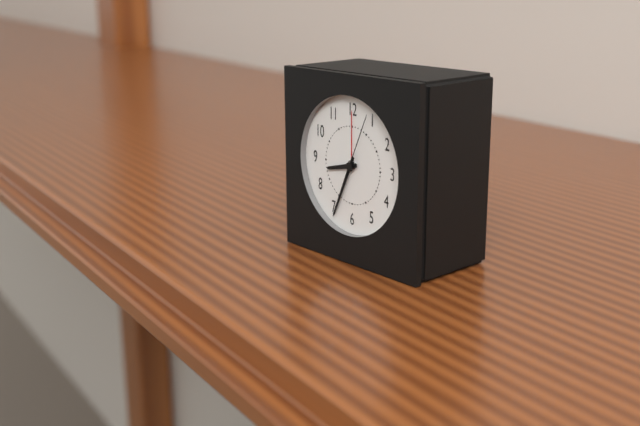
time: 8:34:04
